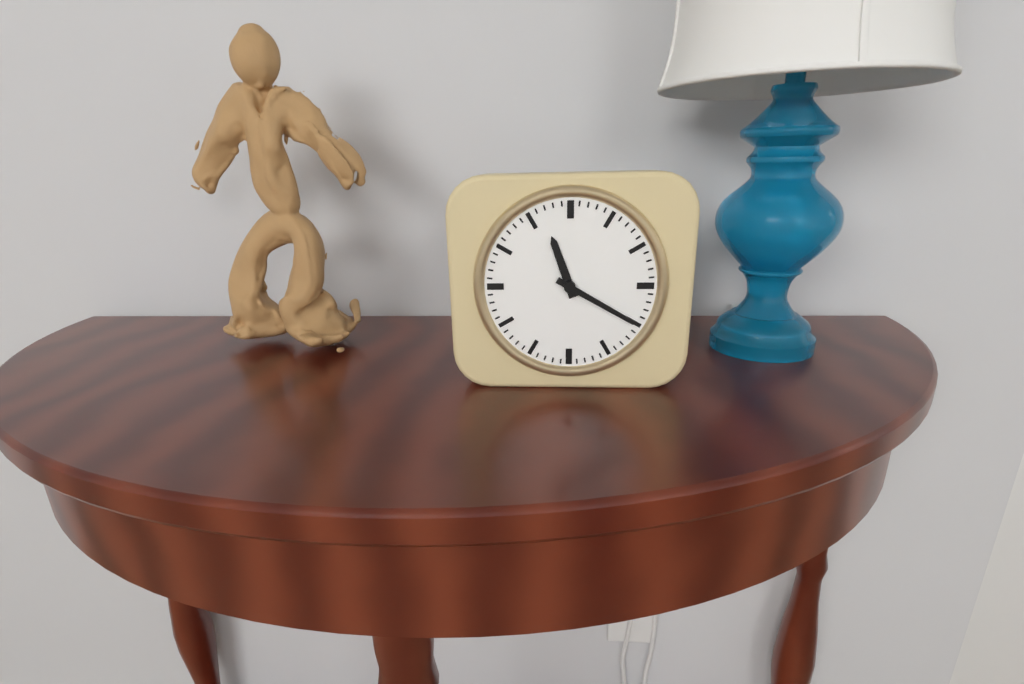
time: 11:20
